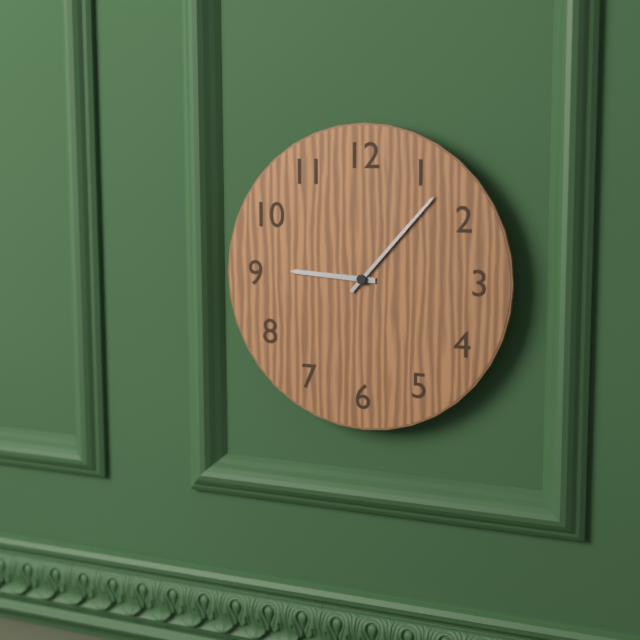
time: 9:07
